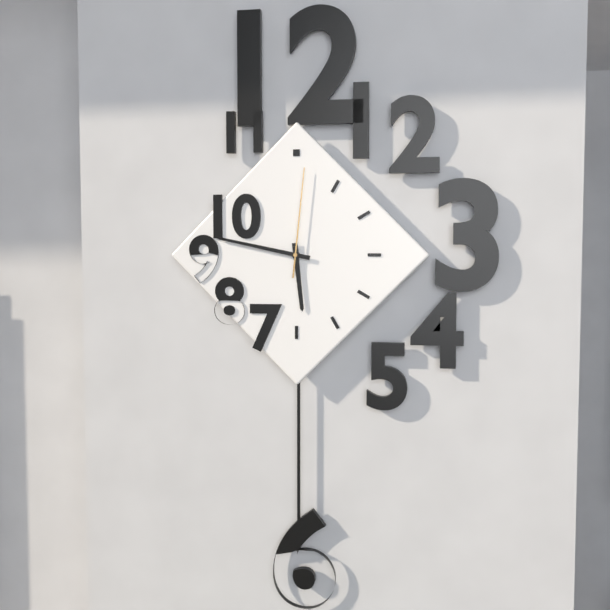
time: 5:47:01
